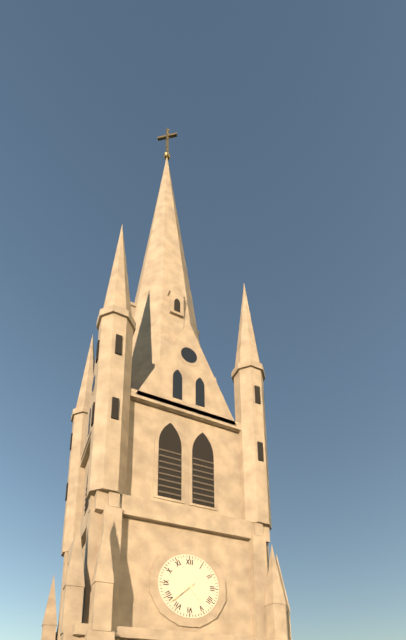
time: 4:38
